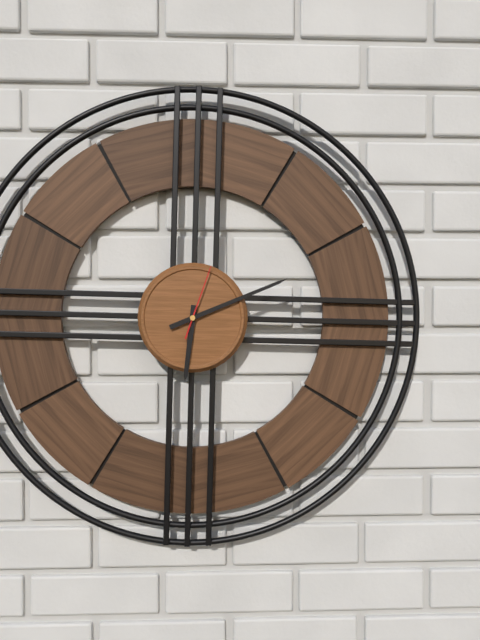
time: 6:11:03
